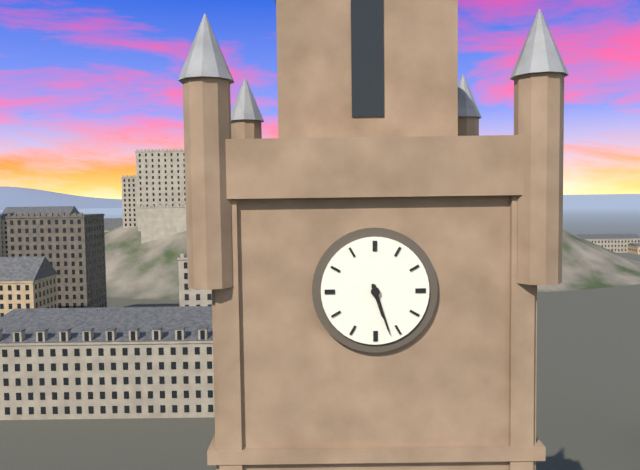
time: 5:27
